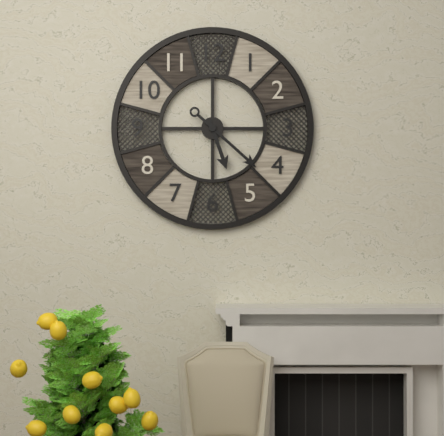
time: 5:22
